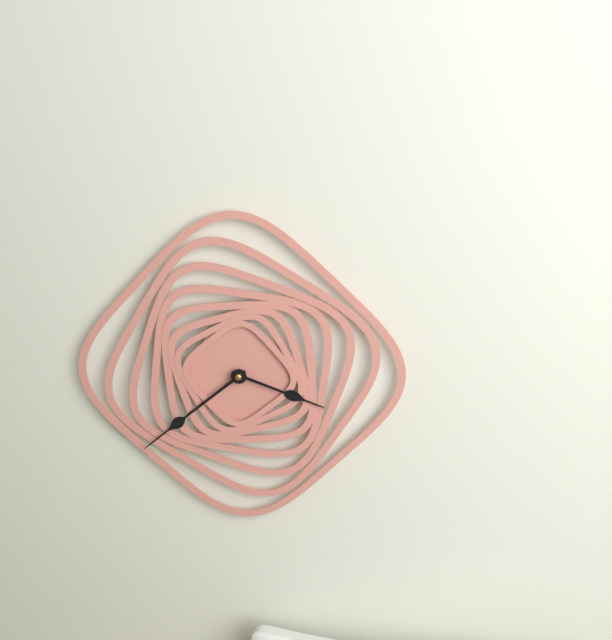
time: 3:38
